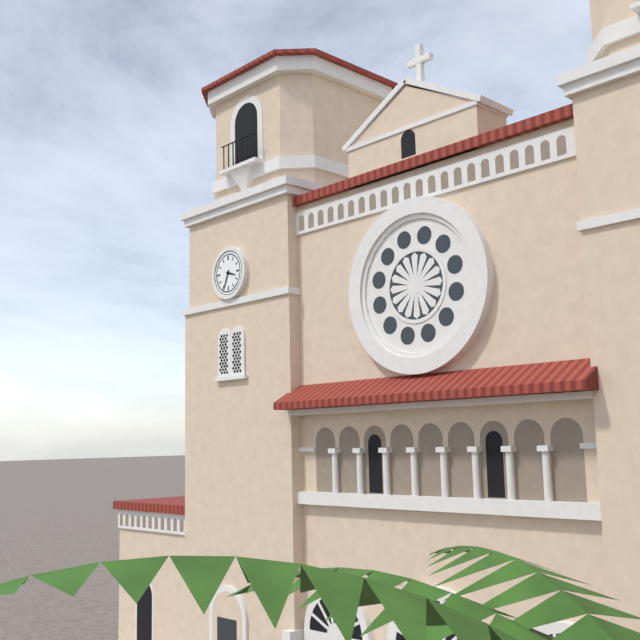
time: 3:34
